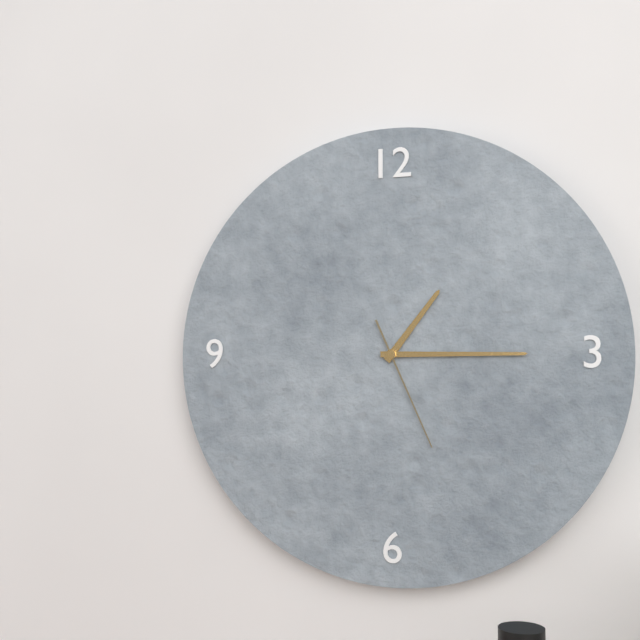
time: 1:15:26
